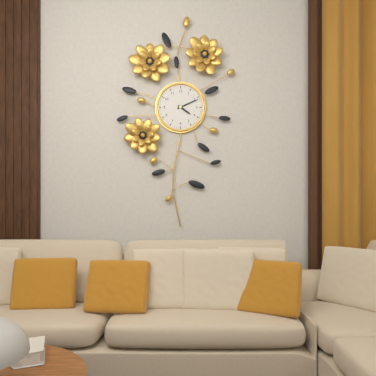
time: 4:11
